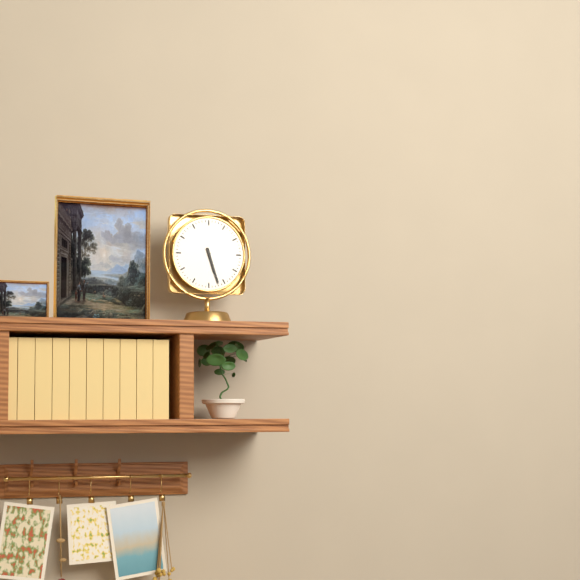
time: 5:27
